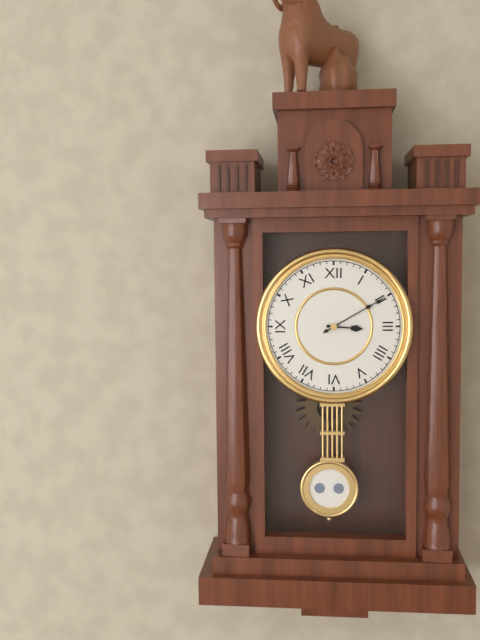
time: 3:10
